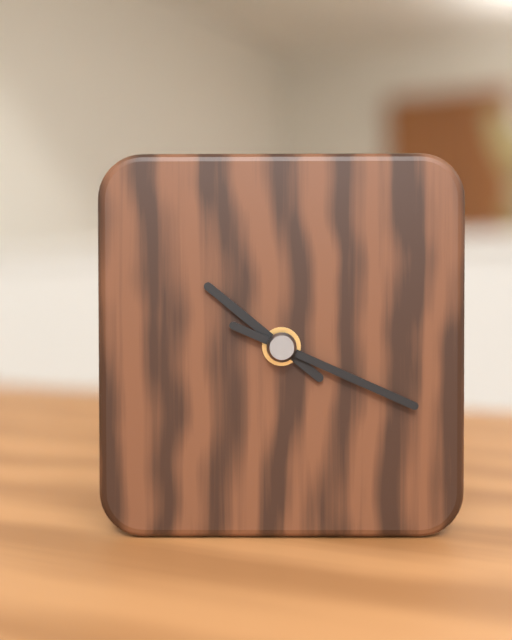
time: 10:19
